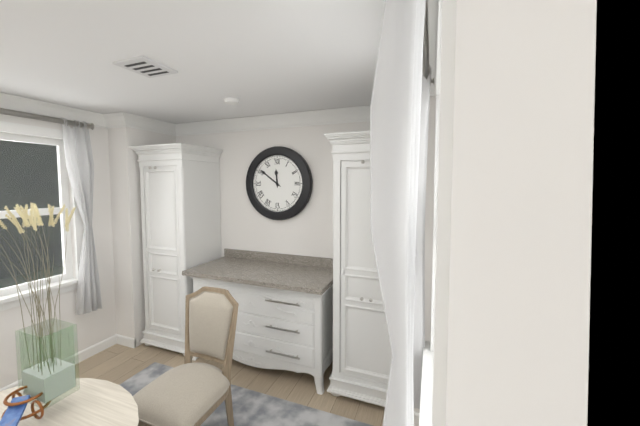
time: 11:51
